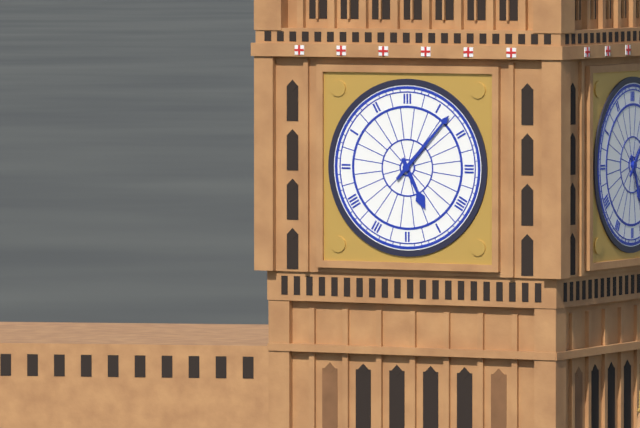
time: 5:07
